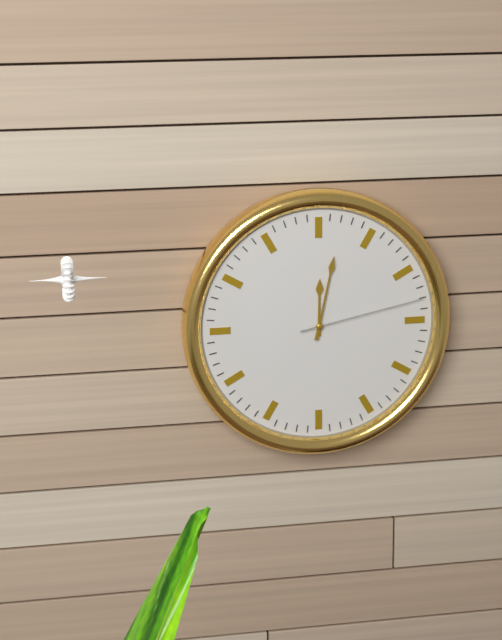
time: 12:02:13
